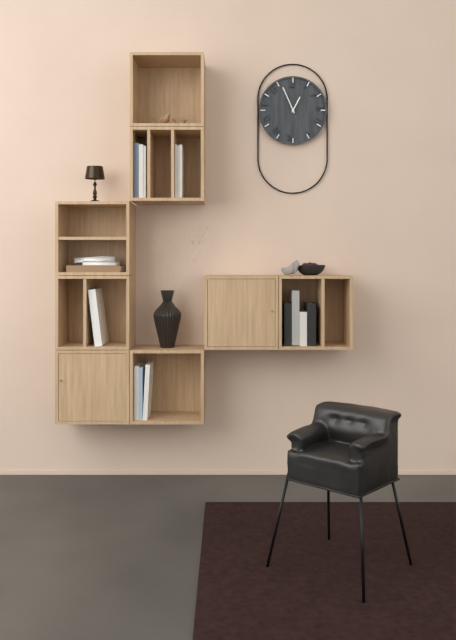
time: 12:56
